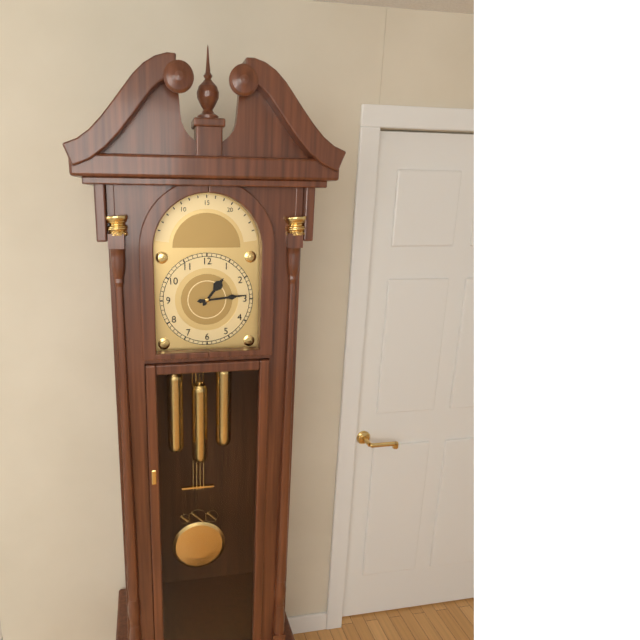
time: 1:14
